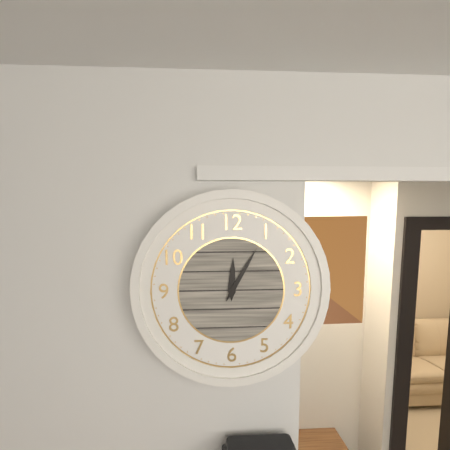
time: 12:05
